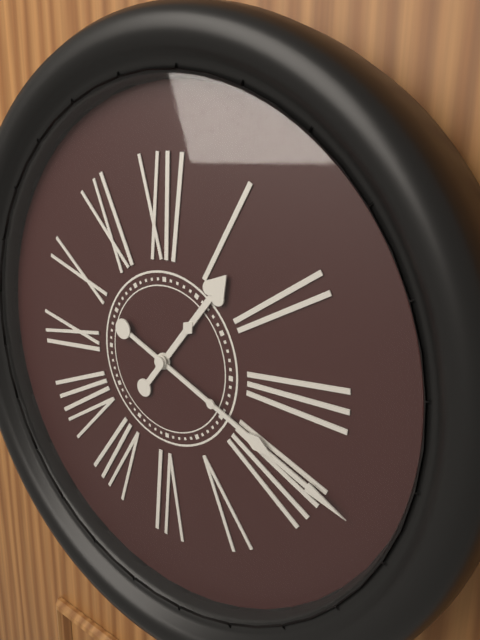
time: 1:19
